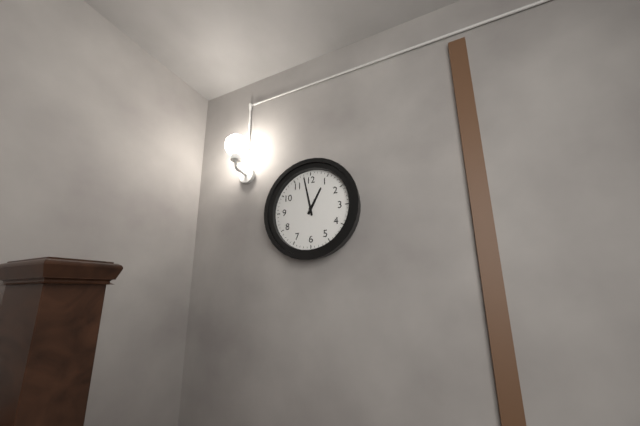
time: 12:58
